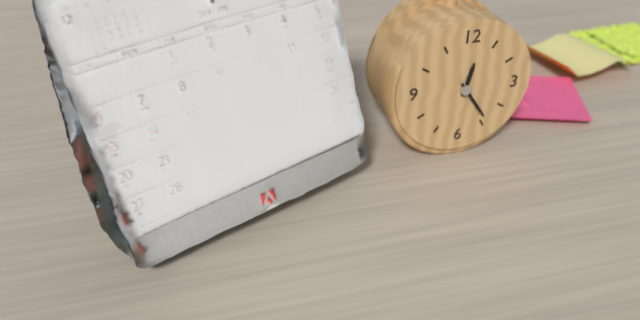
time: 12:24
